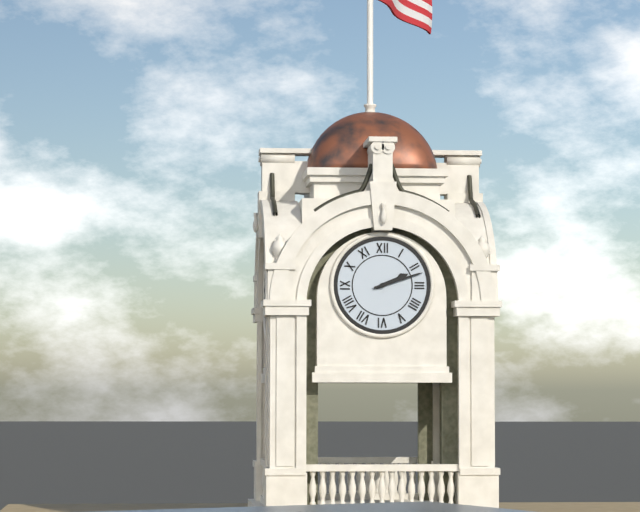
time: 2:12
